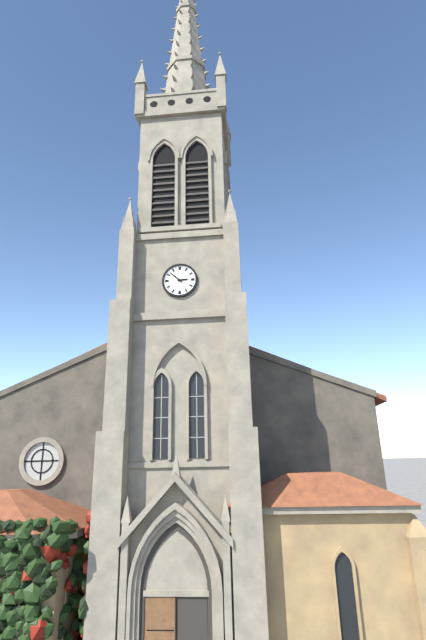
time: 2:52
